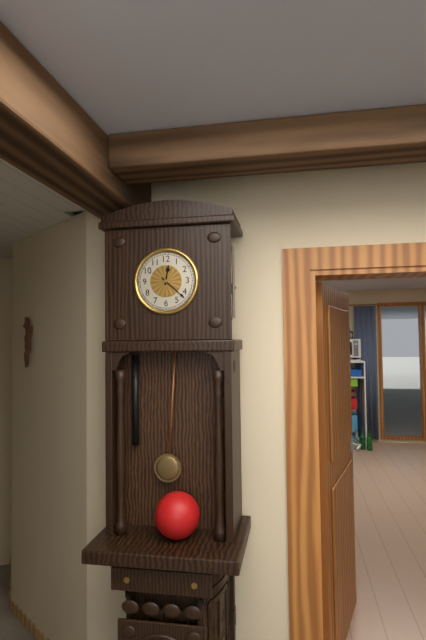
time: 12:22
